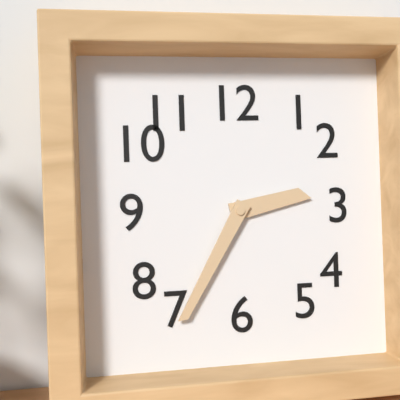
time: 2:35
